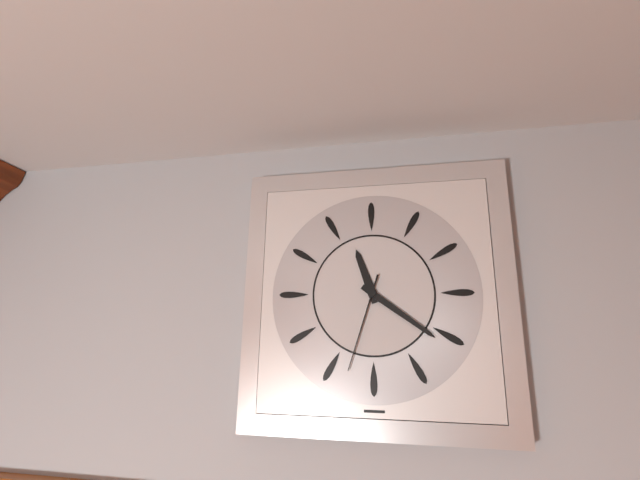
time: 11:21:33
